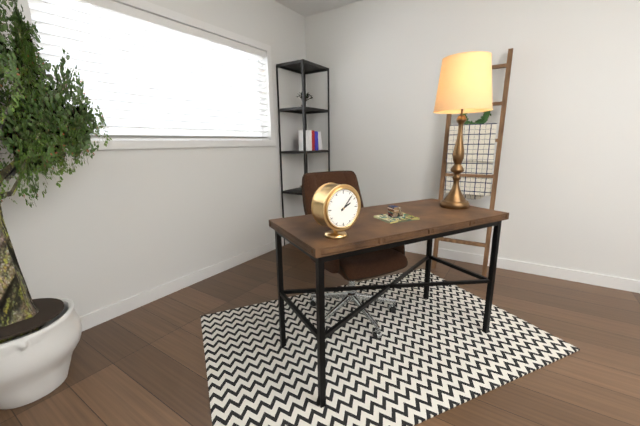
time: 2:07
